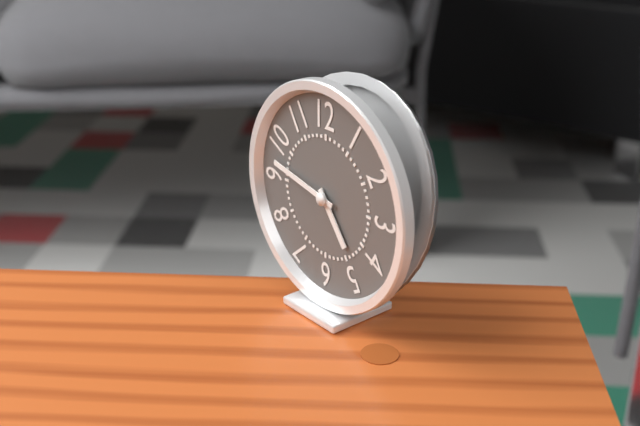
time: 4:47
